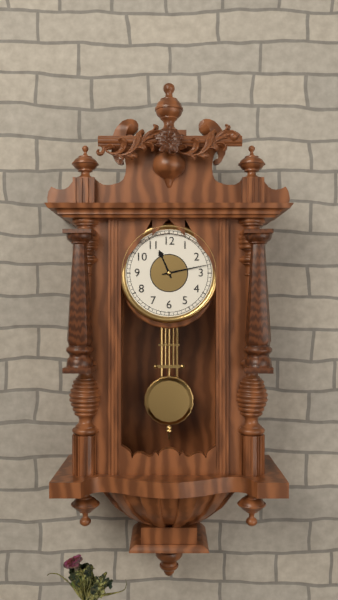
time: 11:13
